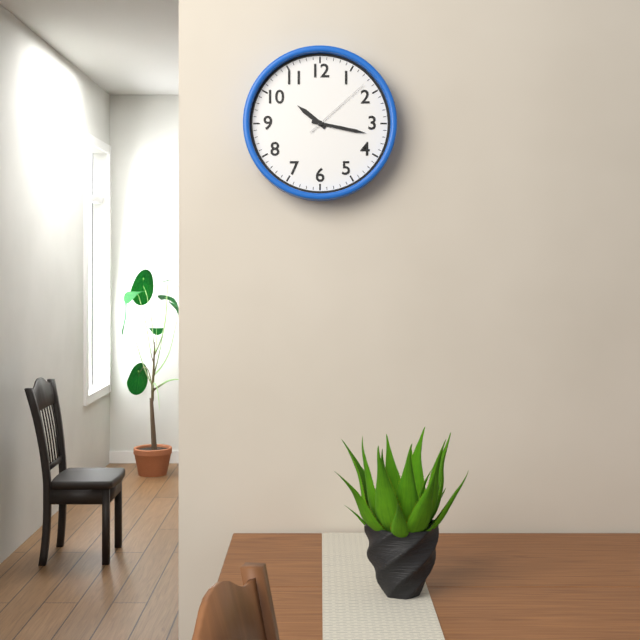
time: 10:17:08
